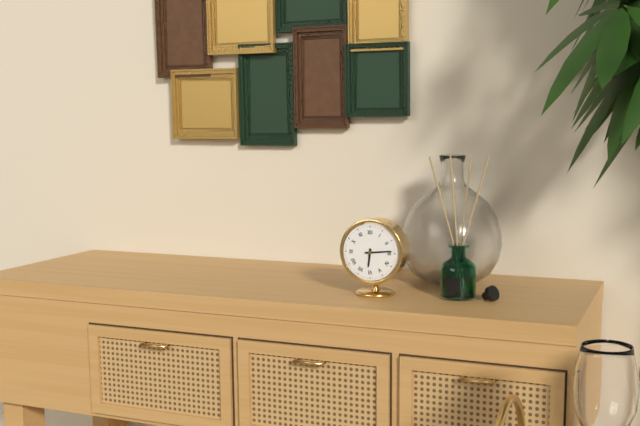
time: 6:14
